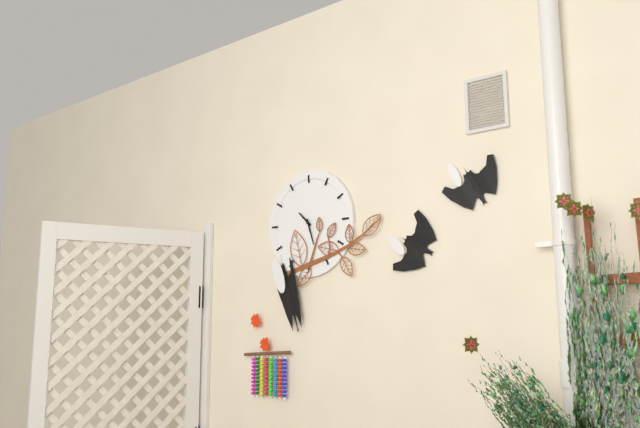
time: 10:27
